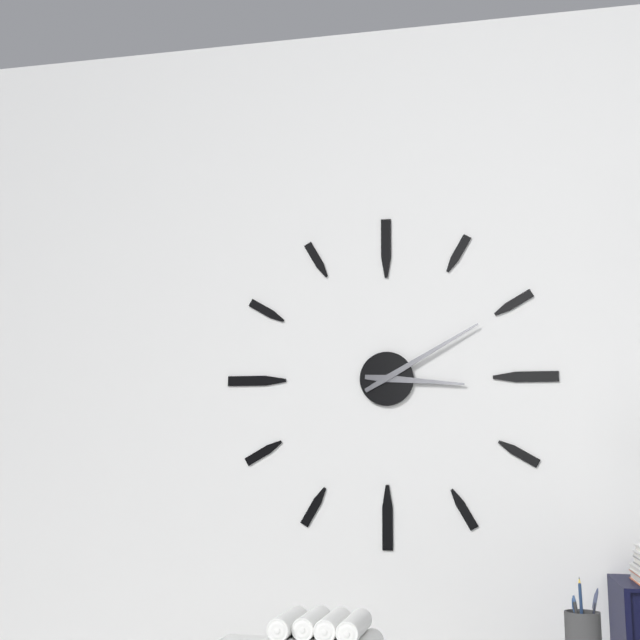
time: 3:10
